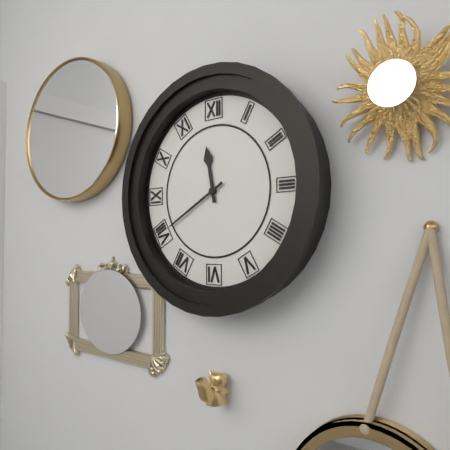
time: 11:40
